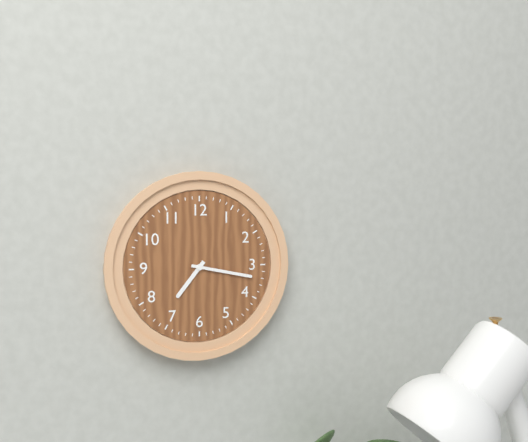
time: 7:17
